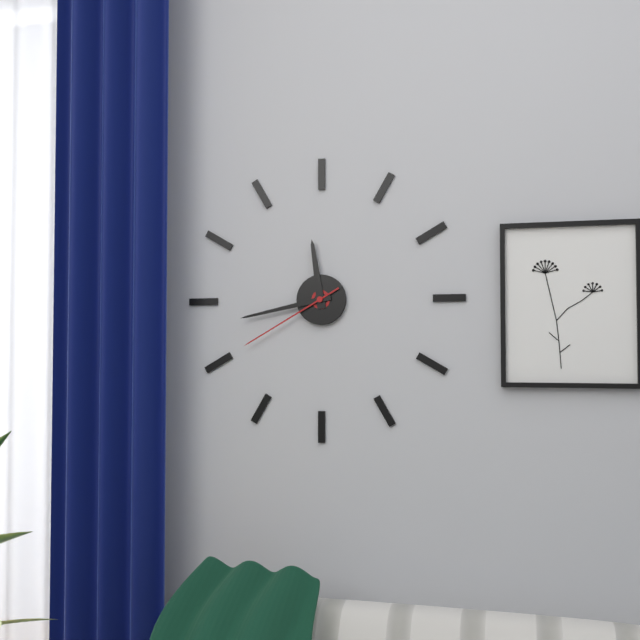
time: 11:43:40
